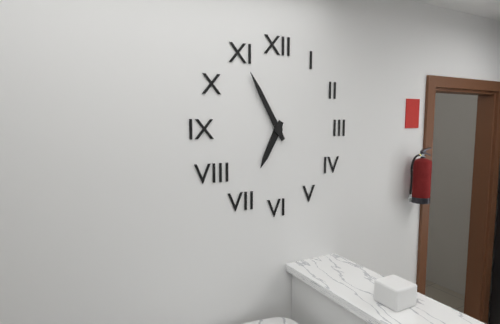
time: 6:55
